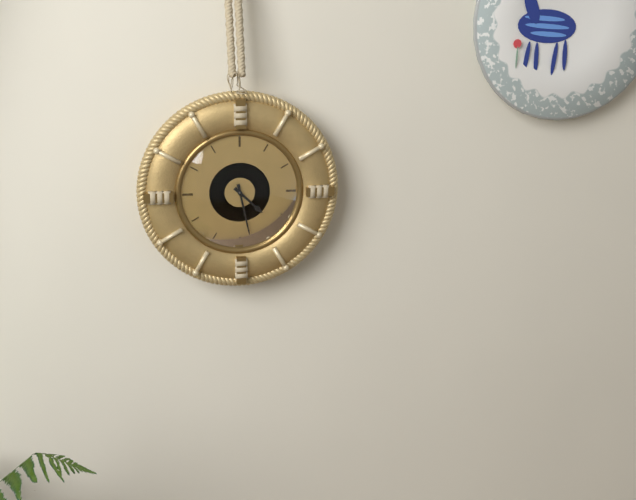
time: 4:28
